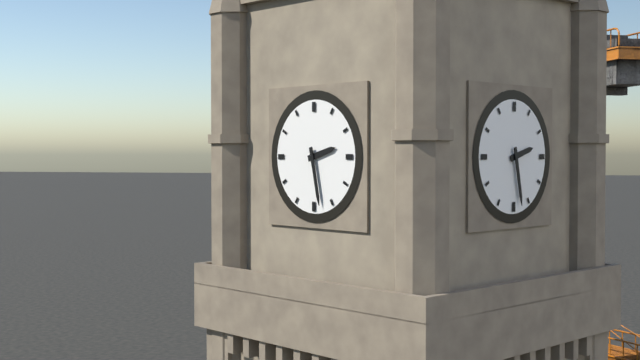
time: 2:28
